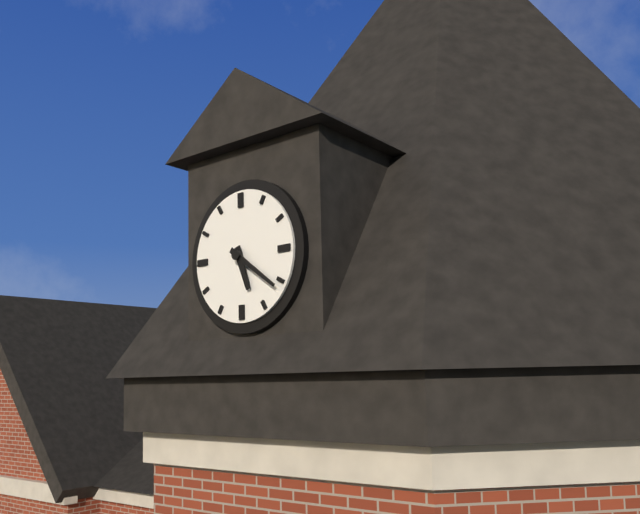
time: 5:21
